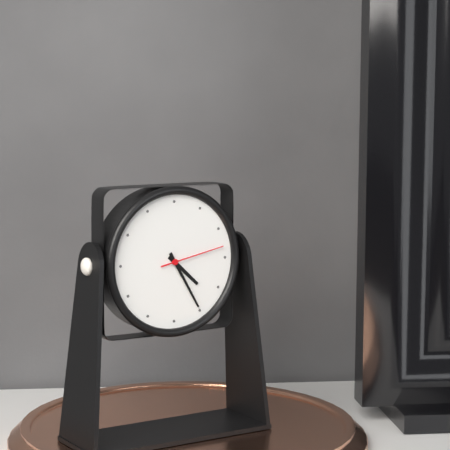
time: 4:25:13
